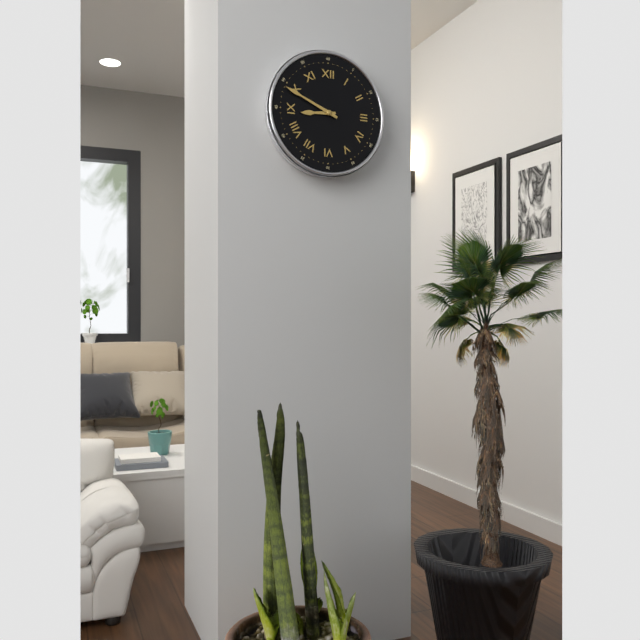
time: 8:49
